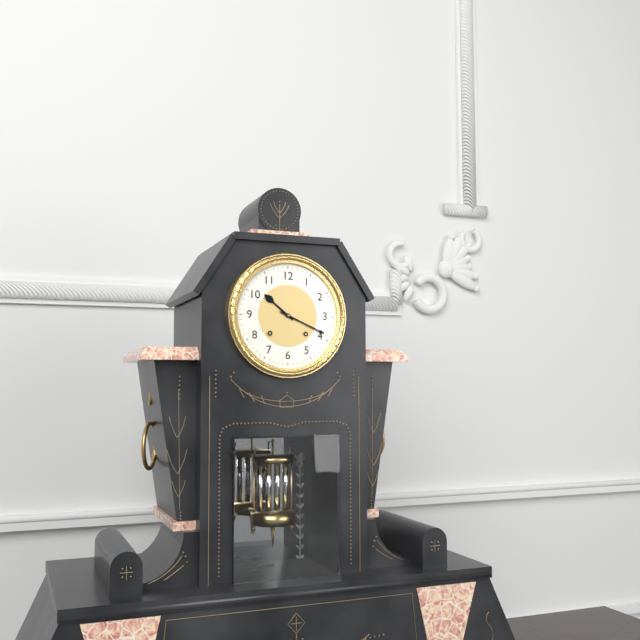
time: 10:19
